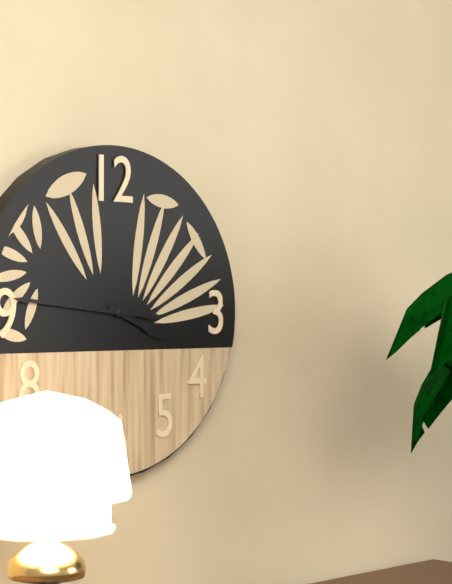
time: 3:46
